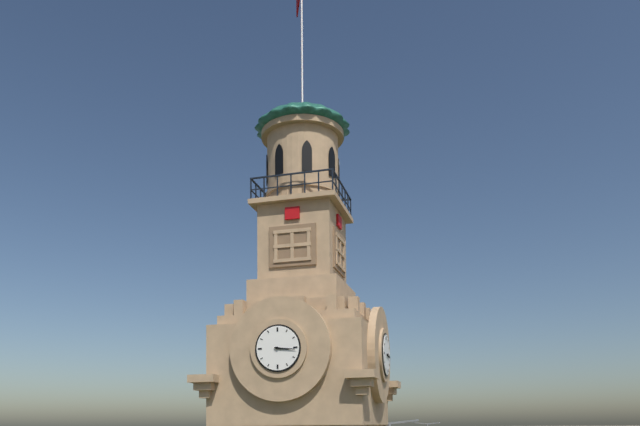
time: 3:16
